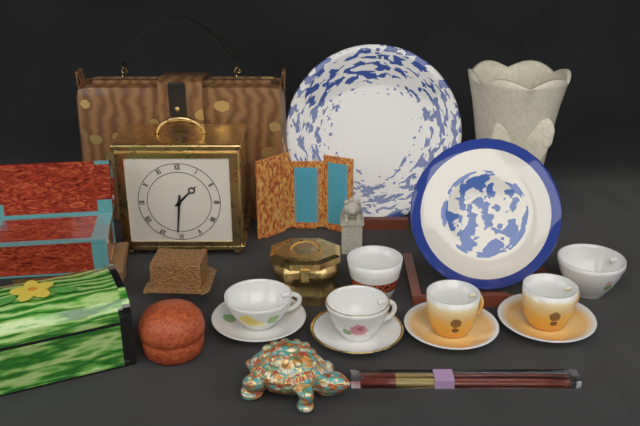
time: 1:31
